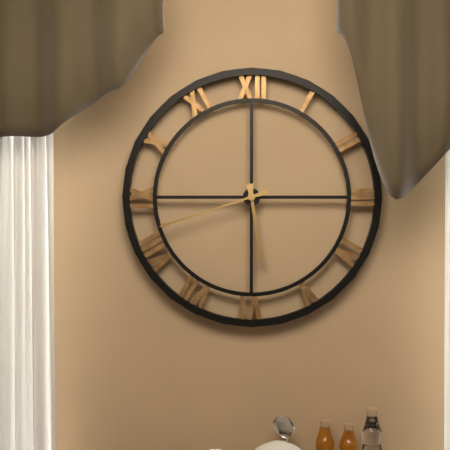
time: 5:42
